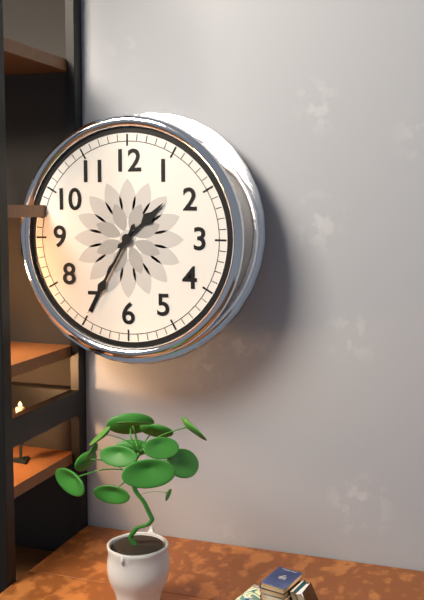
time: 1:35
